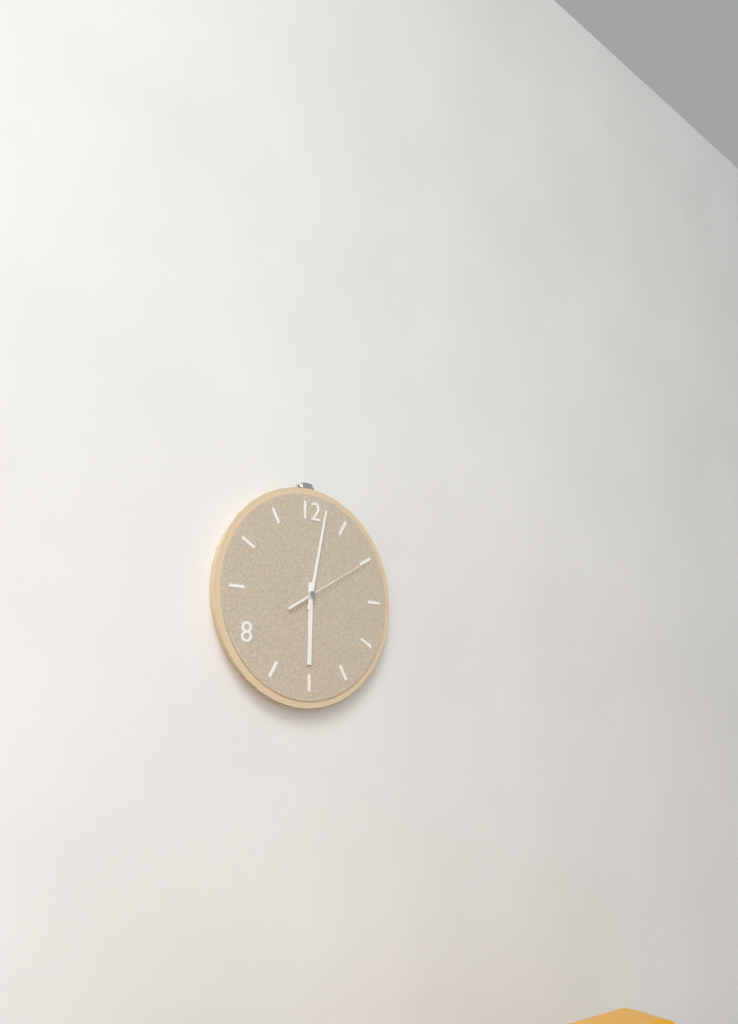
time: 6:02:10
